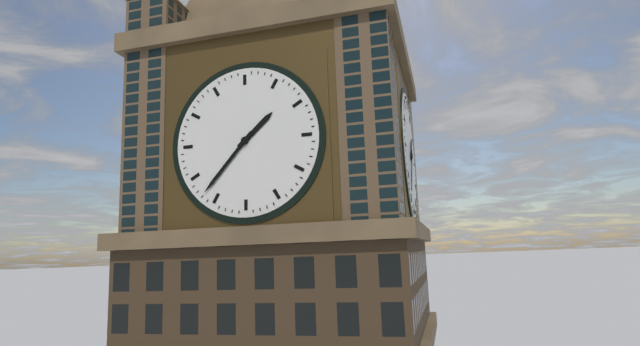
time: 1:37
